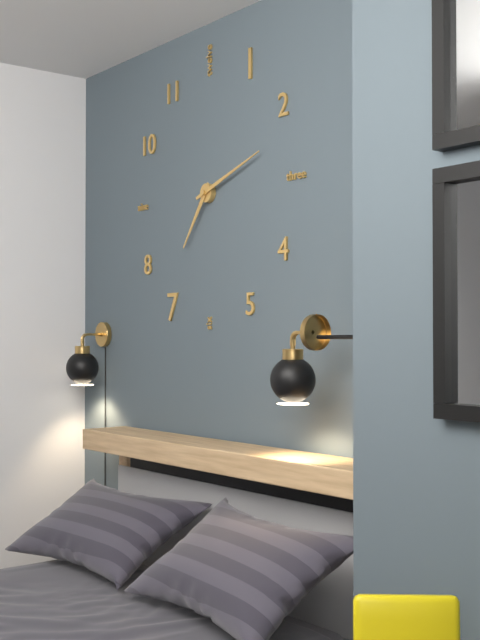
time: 7:12
